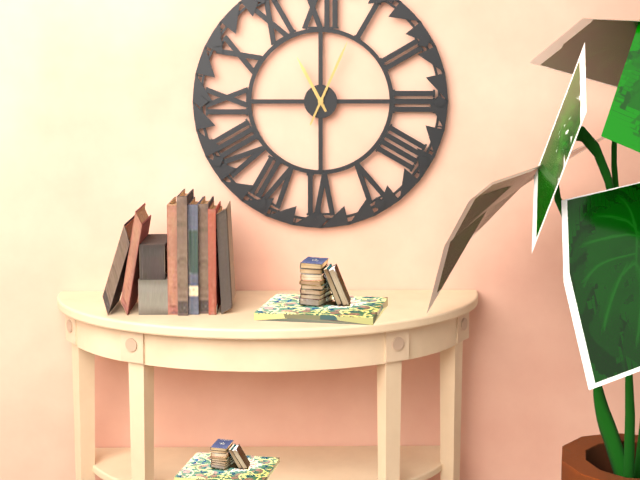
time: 11:04
